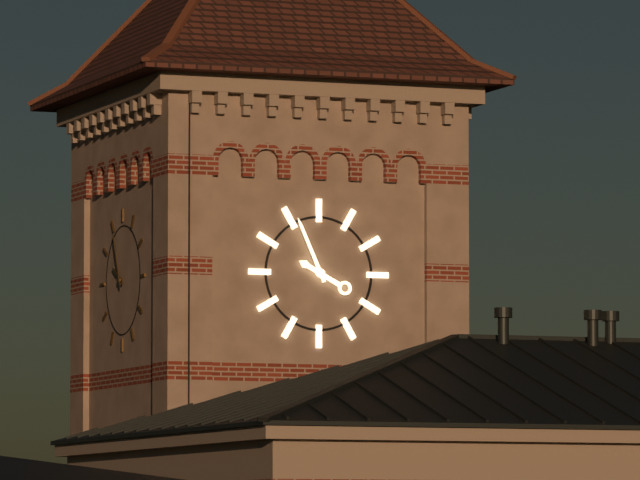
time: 9:56
